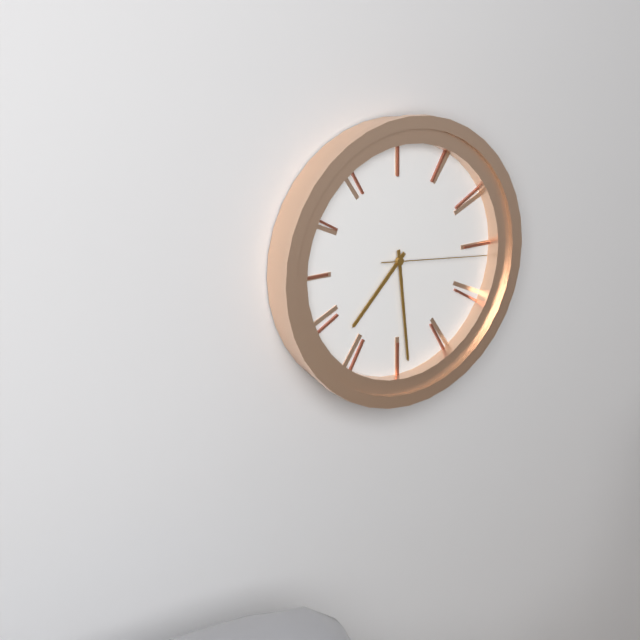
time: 7:29:16
